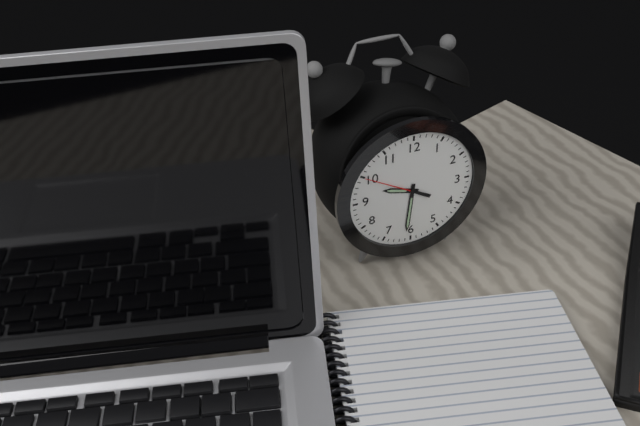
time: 9:31
